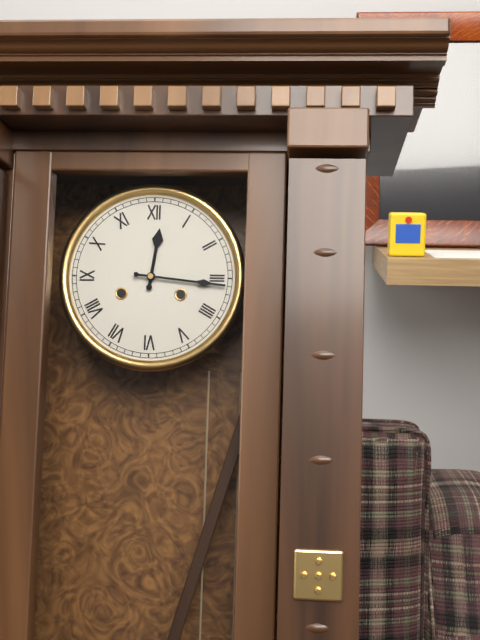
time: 12:16
